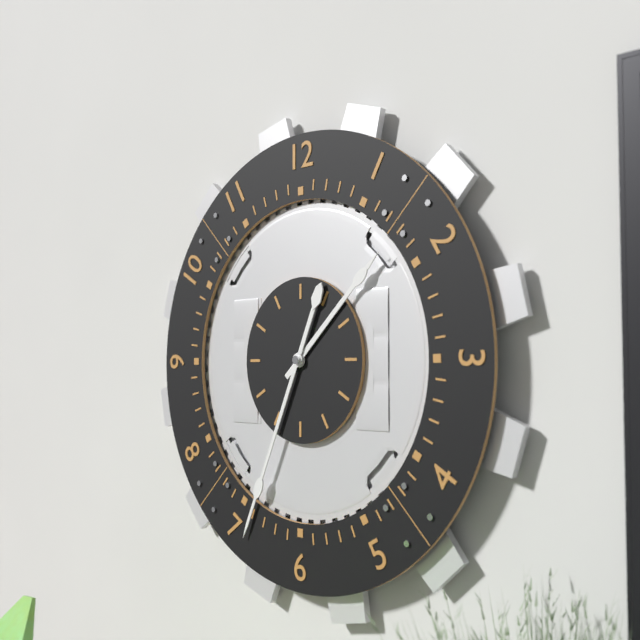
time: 1:34
